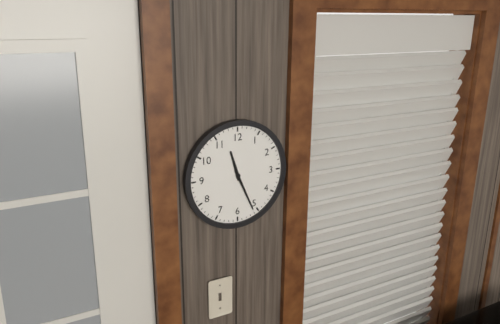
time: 11:26
